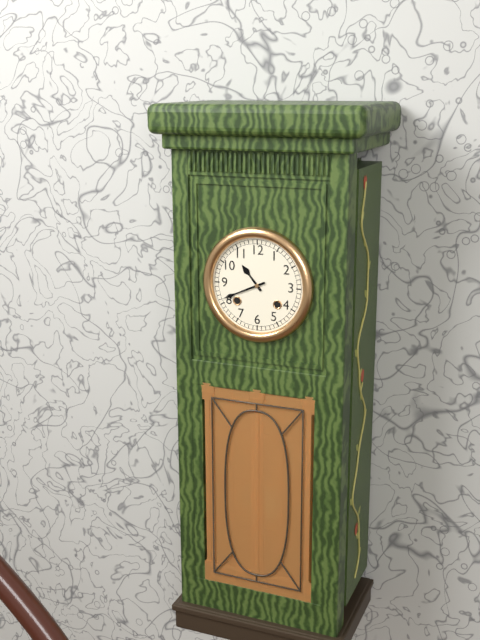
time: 10:41
